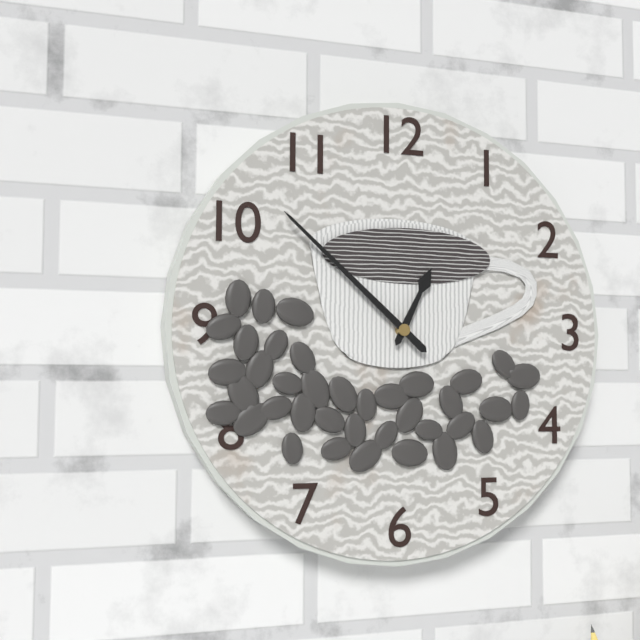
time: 12:52
